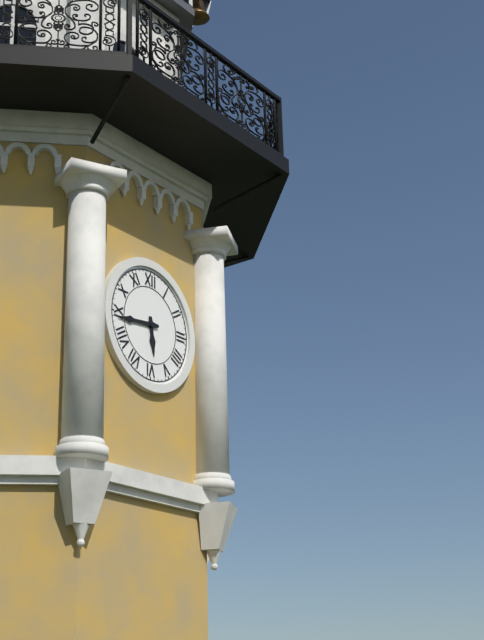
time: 5:44
